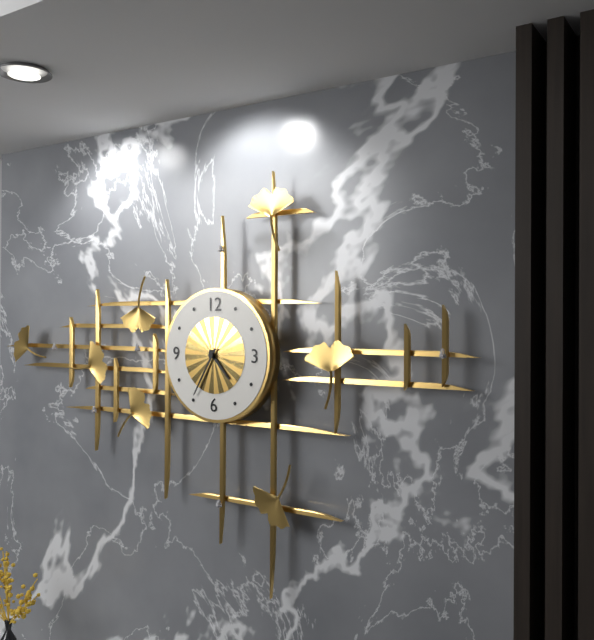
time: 4:35
